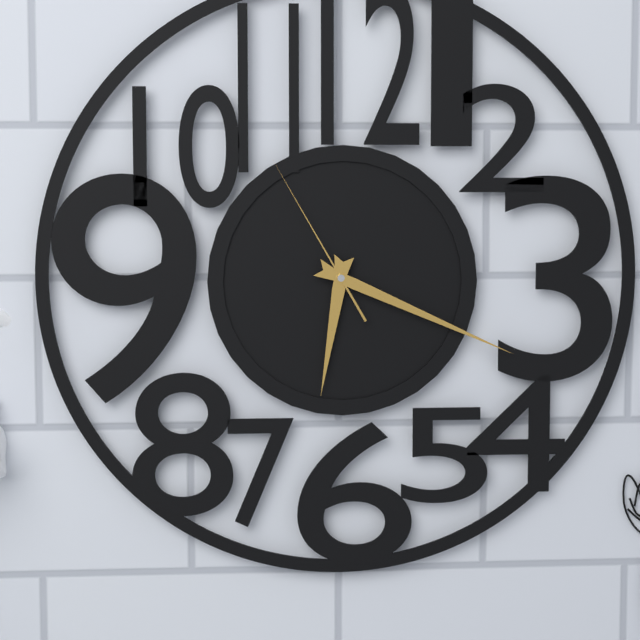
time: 6:19:55
